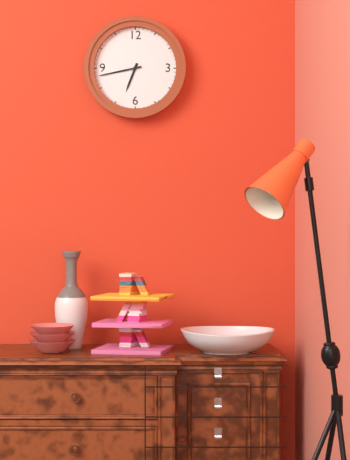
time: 6:43
